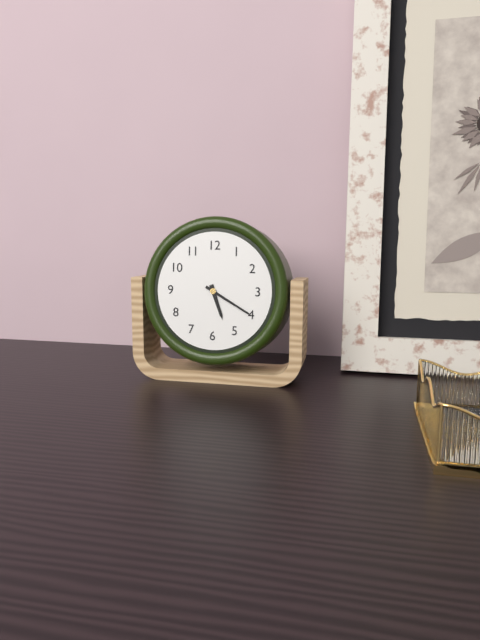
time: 5:20
